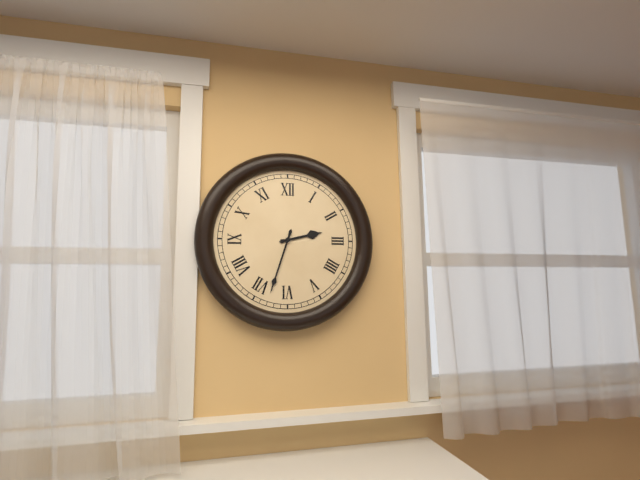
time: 2:33
